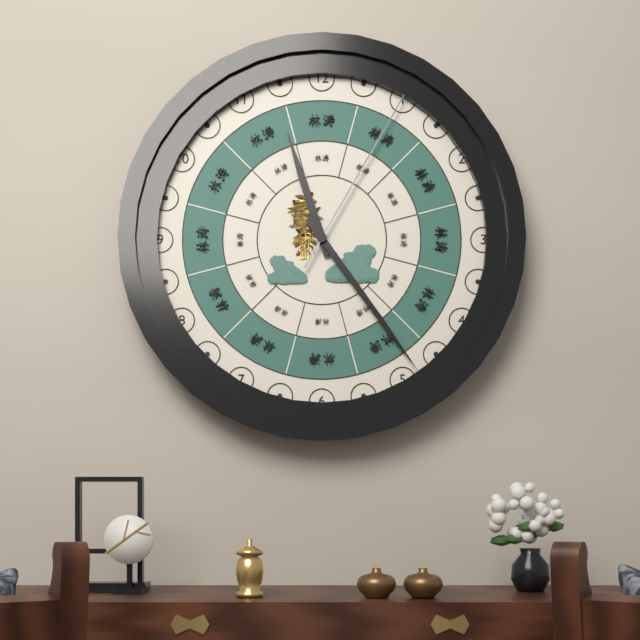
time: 11:24:05
